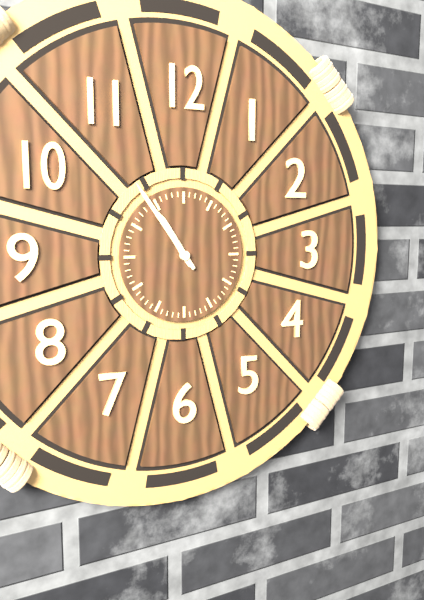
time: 10:54
